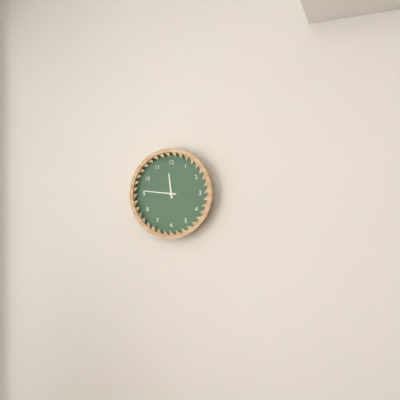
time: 11:46
